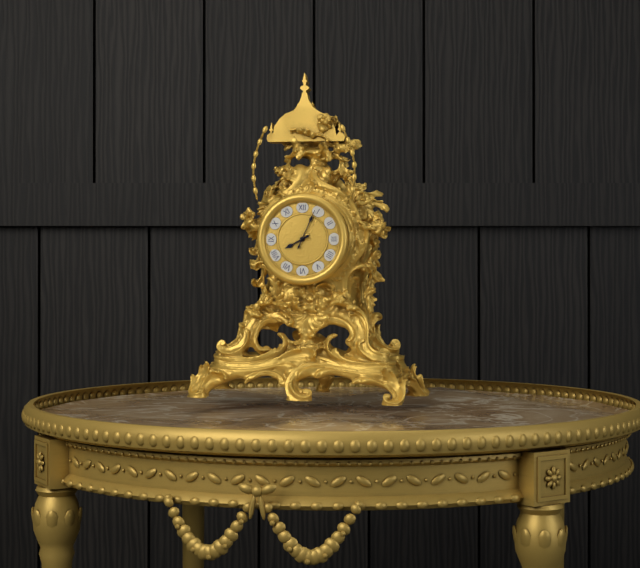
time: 8:04
